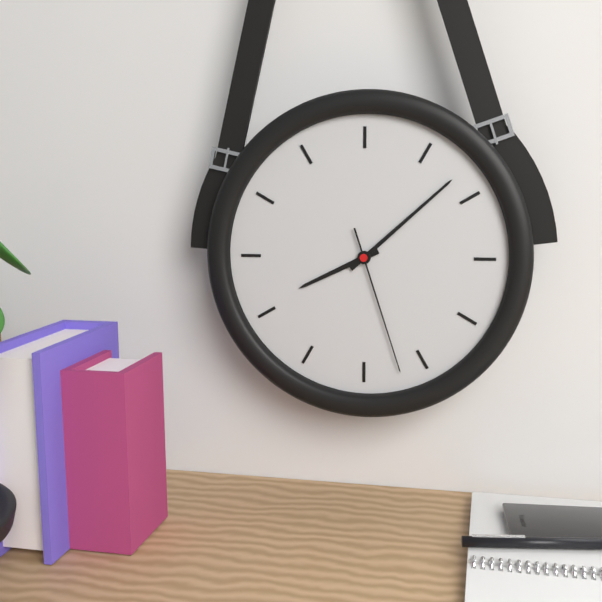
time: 8:08:27
